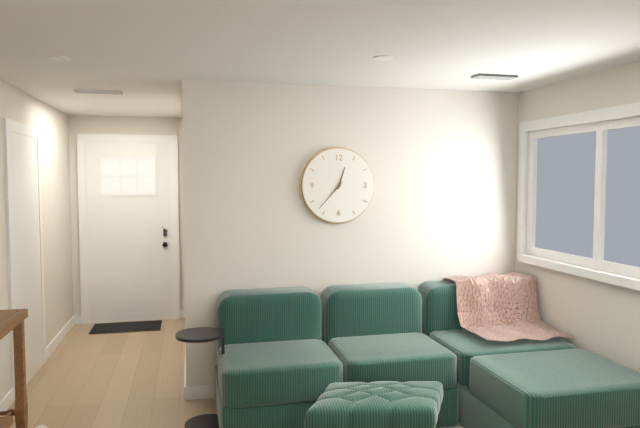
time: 12:37
